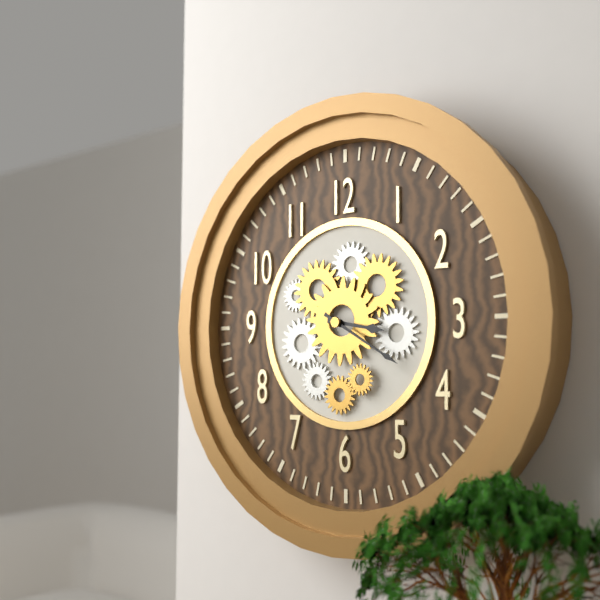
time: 3:20
